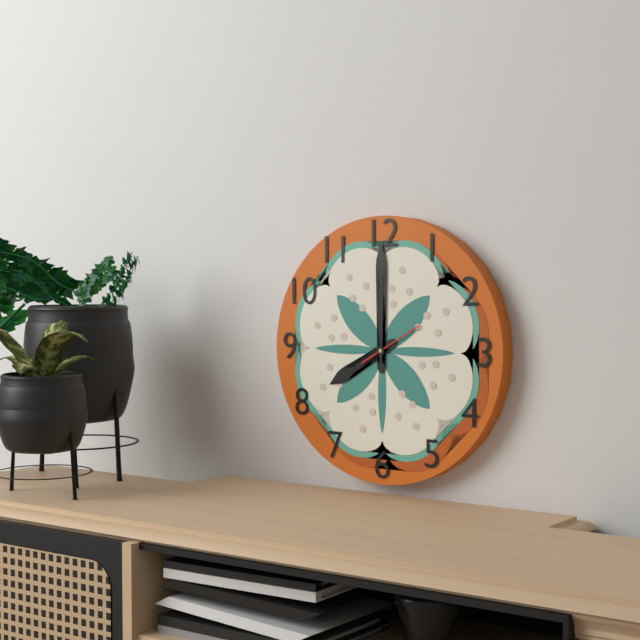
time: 8:00:10
